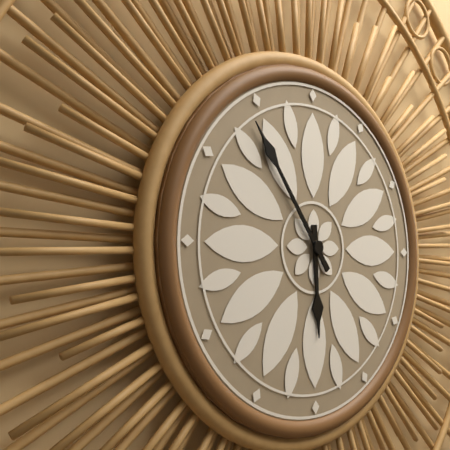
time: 5:54
